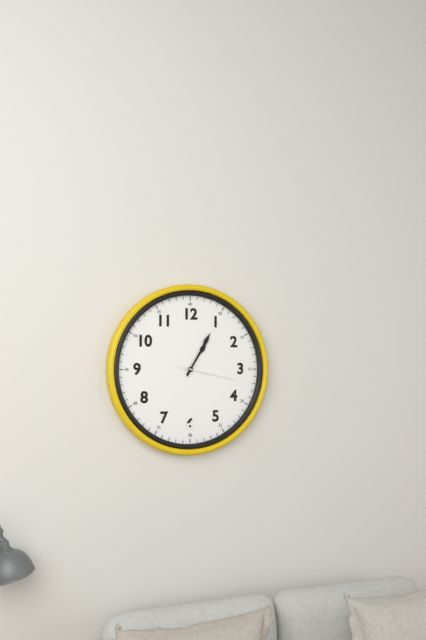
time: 1:05:17
